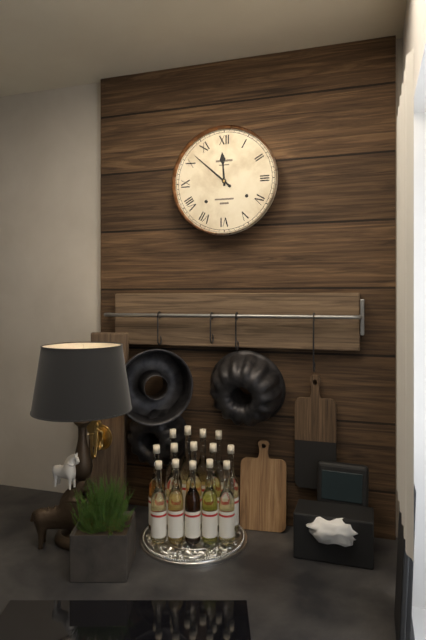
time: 11:52
